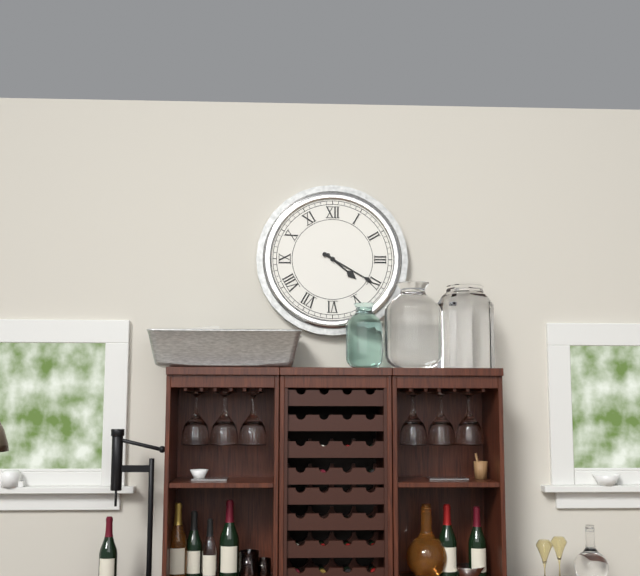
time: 4:20
